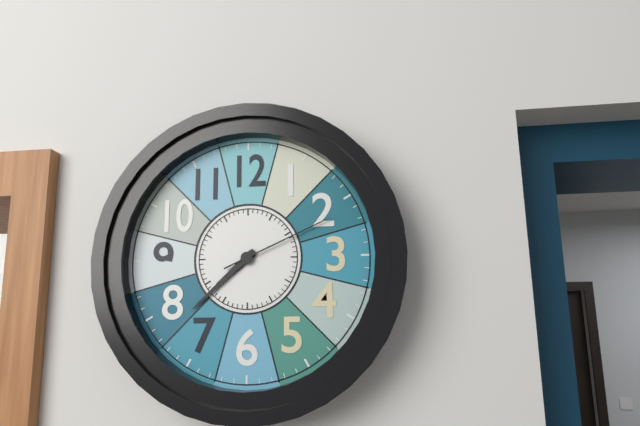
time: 7:38:11
